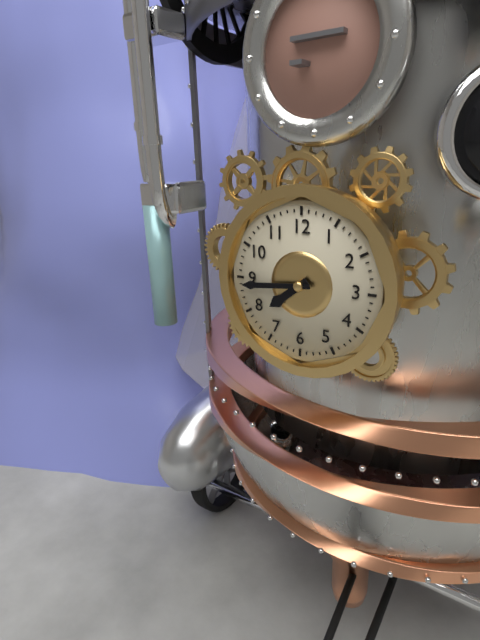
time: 7:44
